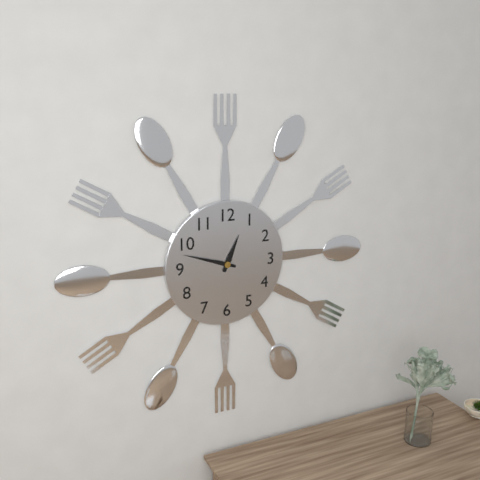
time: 12:48
